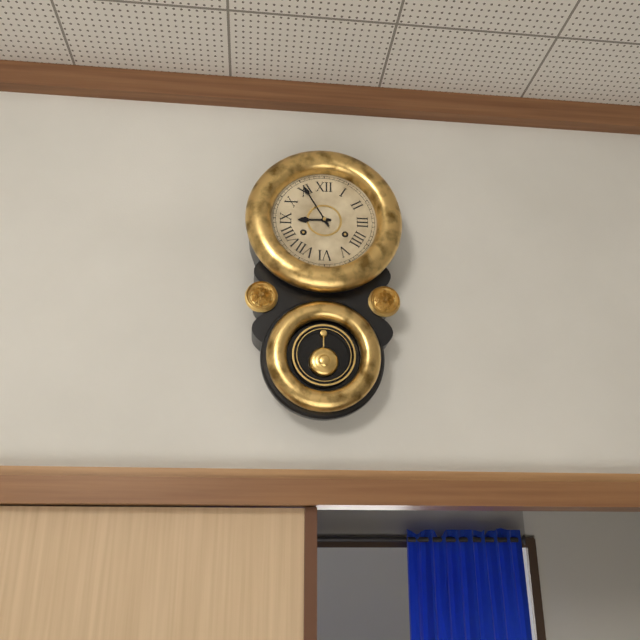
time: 8:55
